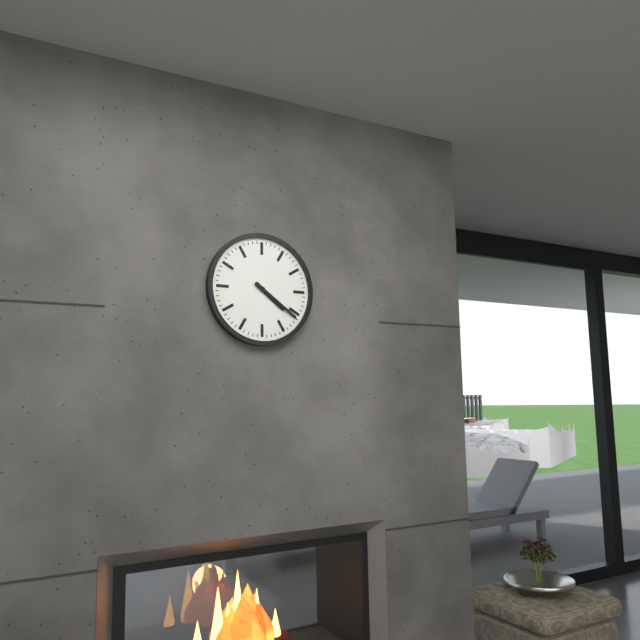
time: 4:21
